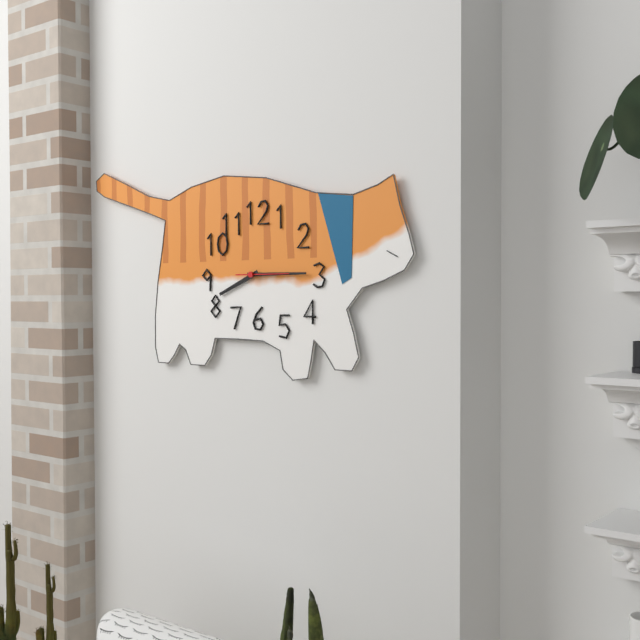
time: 8:15
